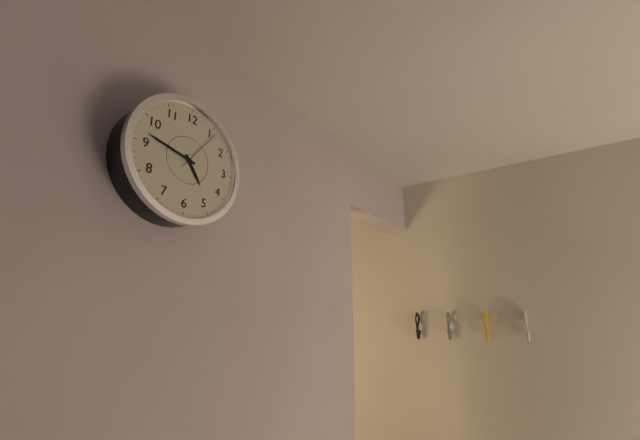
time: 4:47
